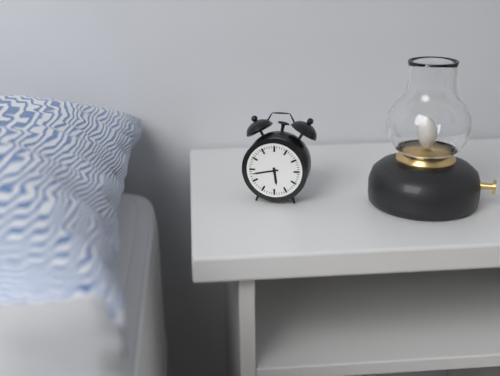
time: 5:43
